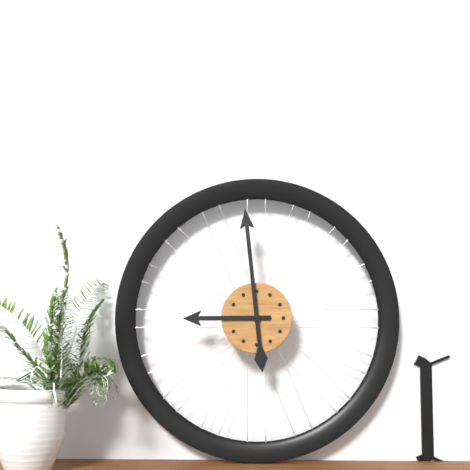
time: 8:59
